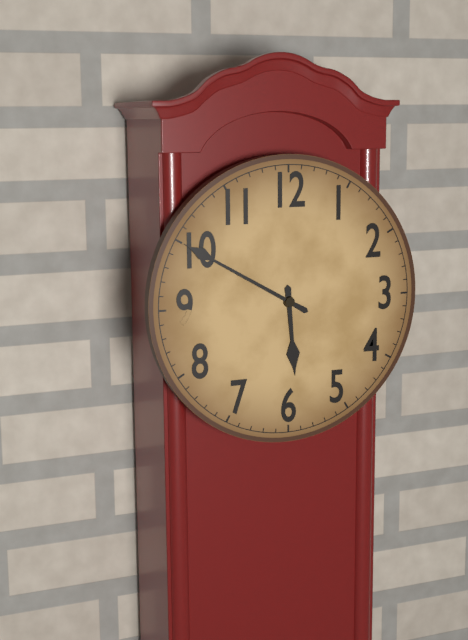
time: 5:50
